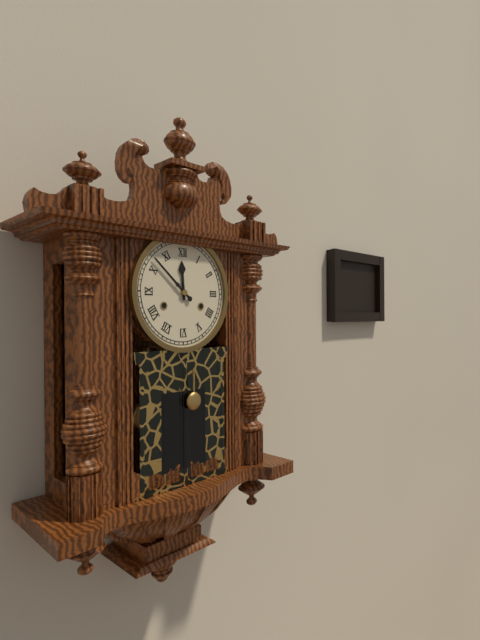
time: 11:52
